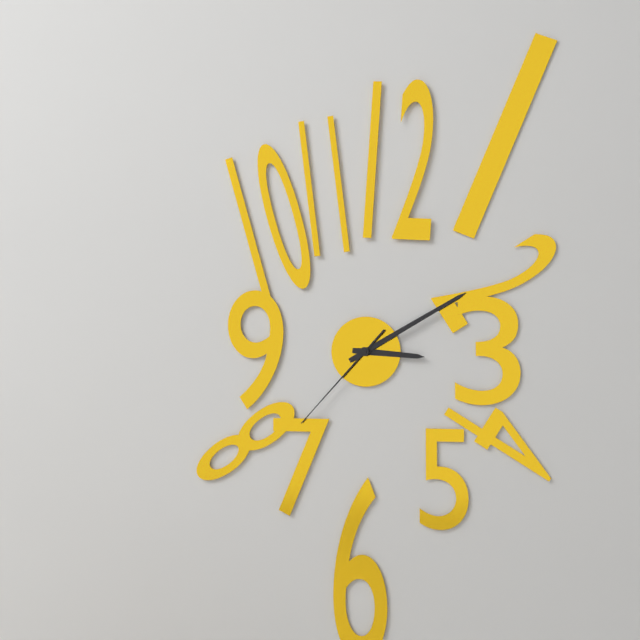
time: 3:10:37
